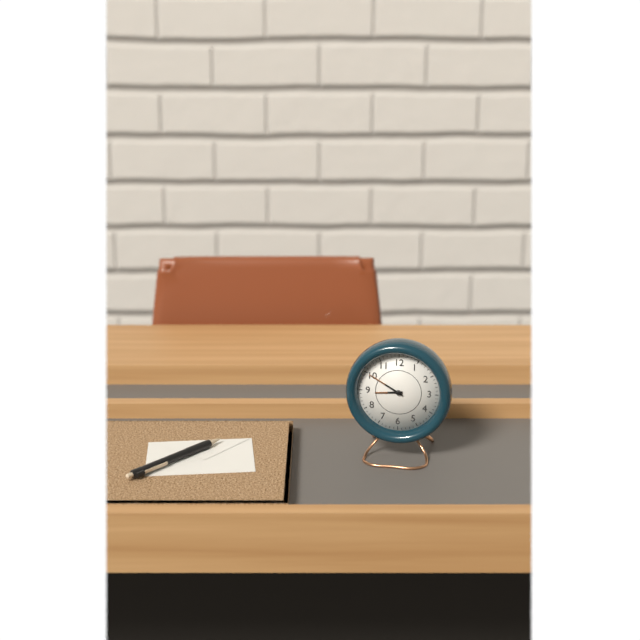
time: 8:50
